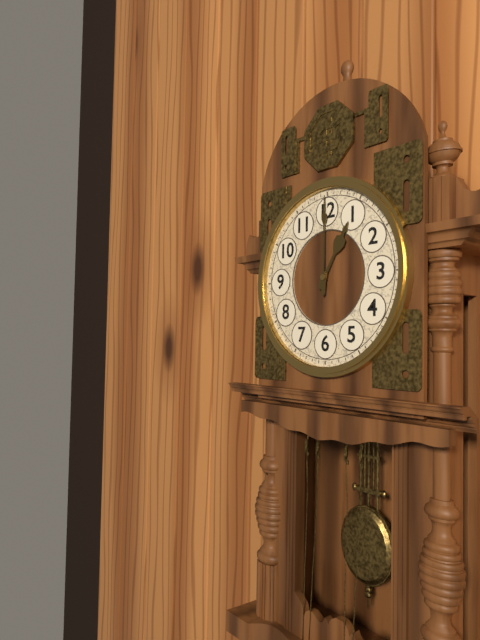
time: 1:00
